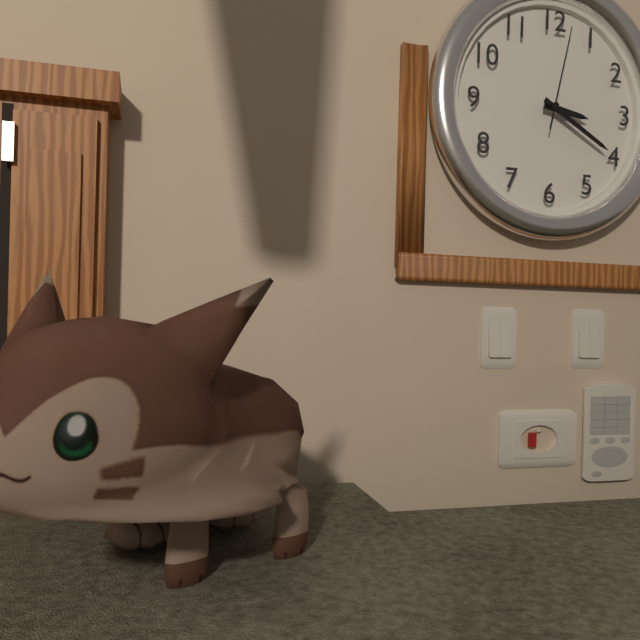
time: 3:20:02
